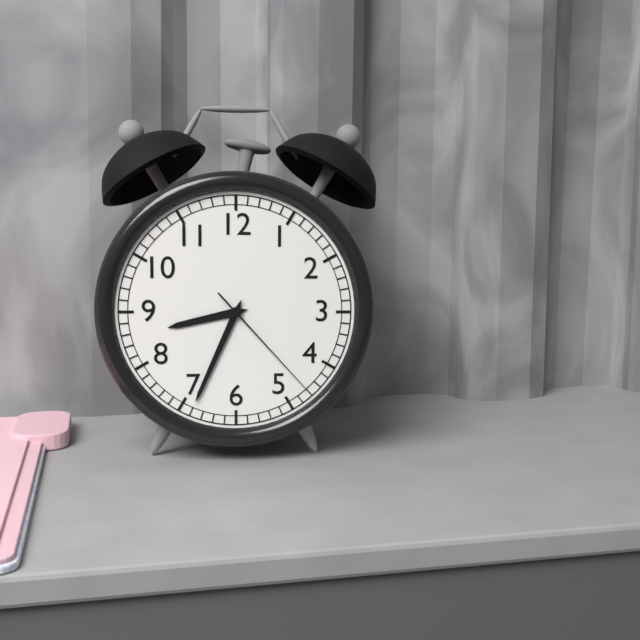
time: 8:34:23
